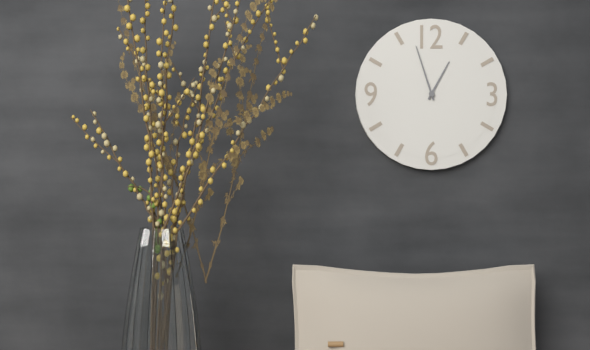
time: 12:57
